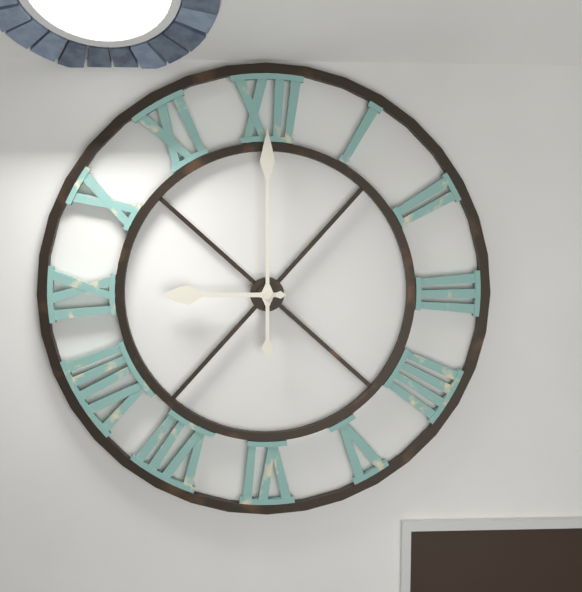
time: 9:00
